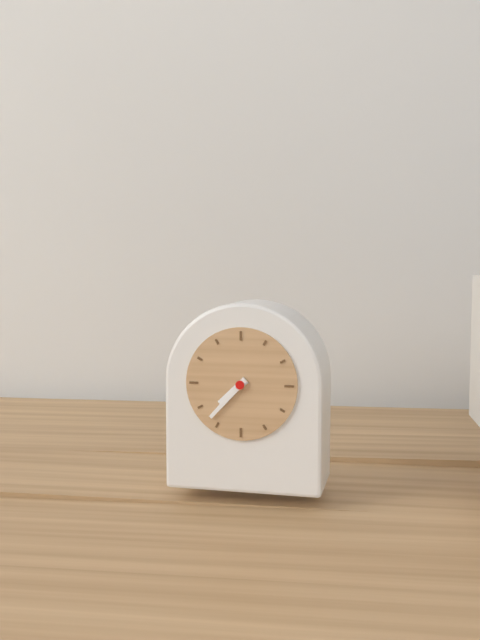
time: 7:37
